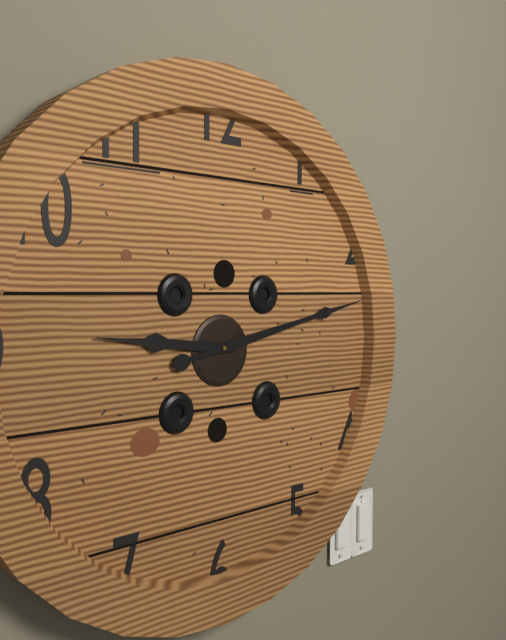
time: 9:13
